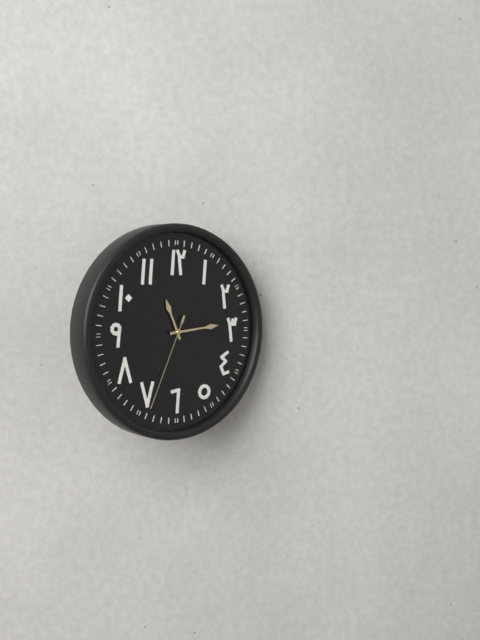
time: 11:14:34
